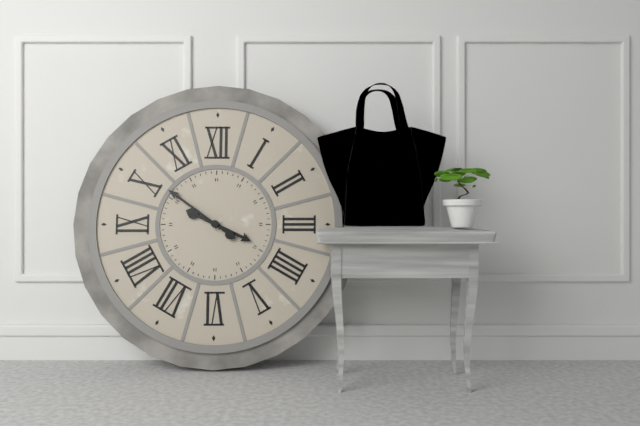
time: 3:51
